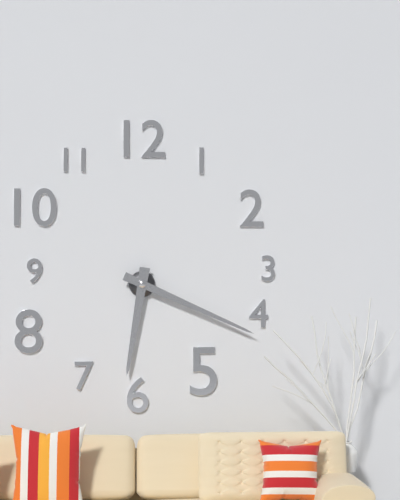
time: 6:19
